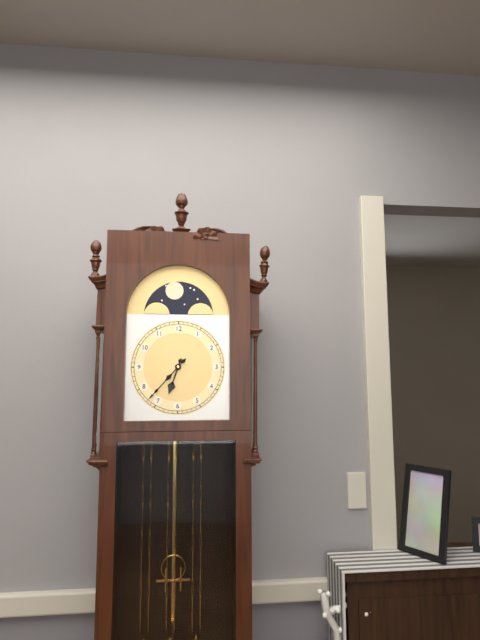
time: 6:37
